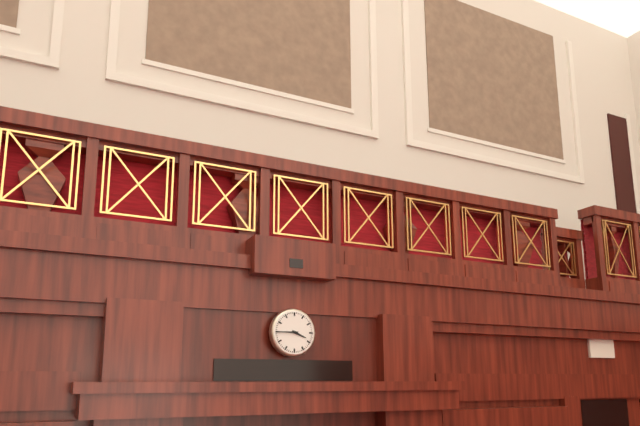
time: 3:45
